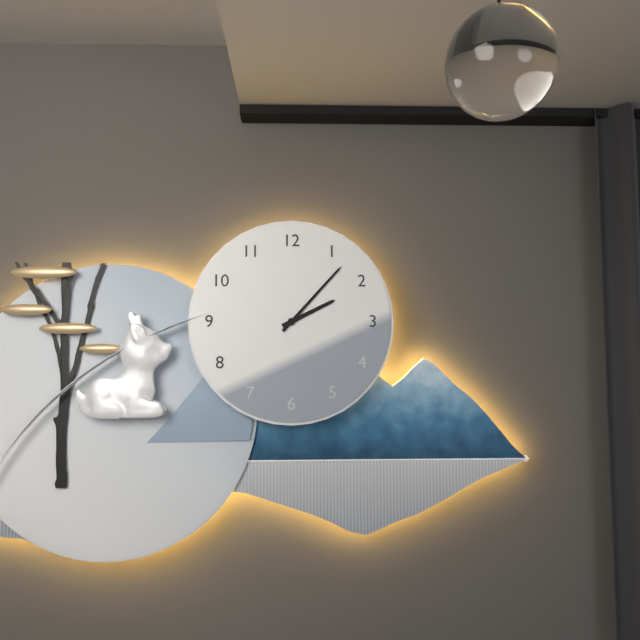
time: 2:07
